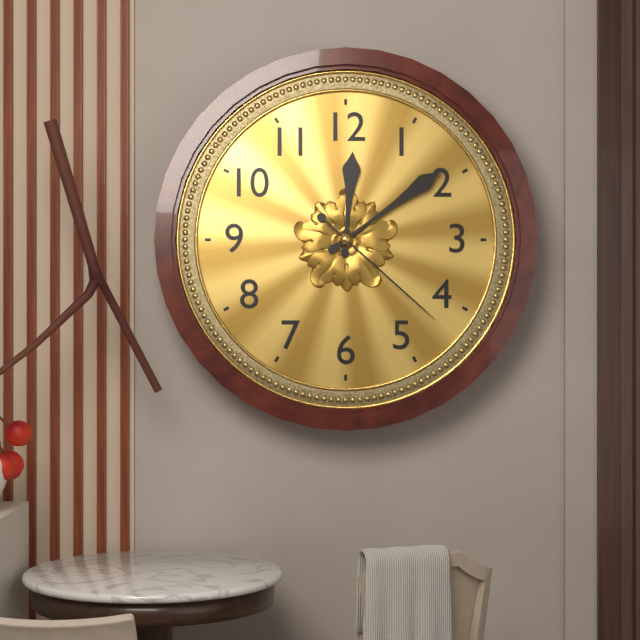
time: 12:09:22
